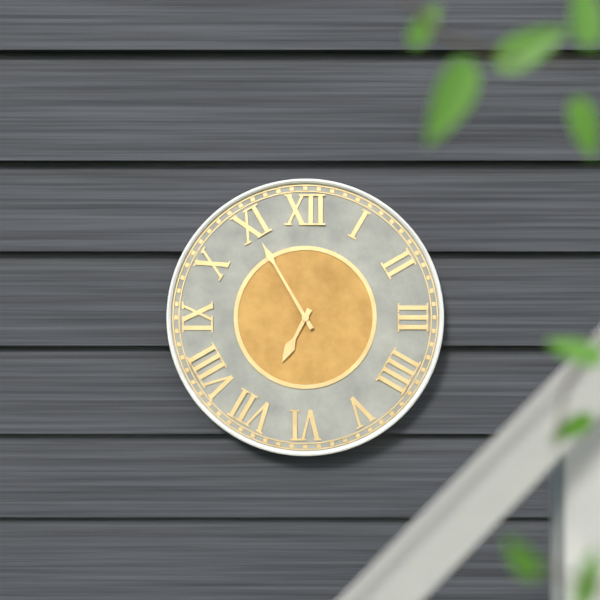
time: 6:55
